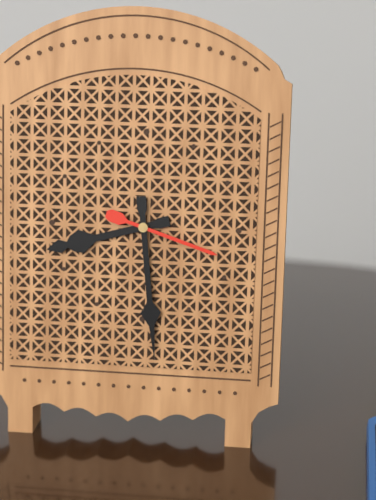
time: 8:29:18
